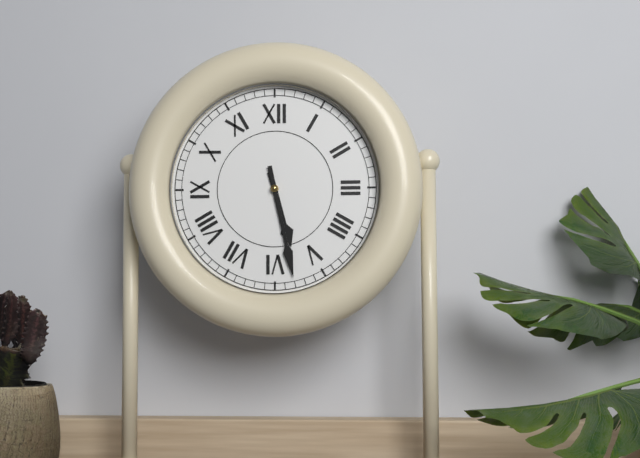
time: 5:28
